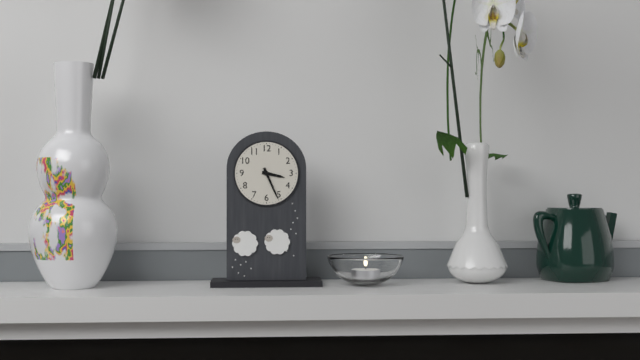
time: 3:26
